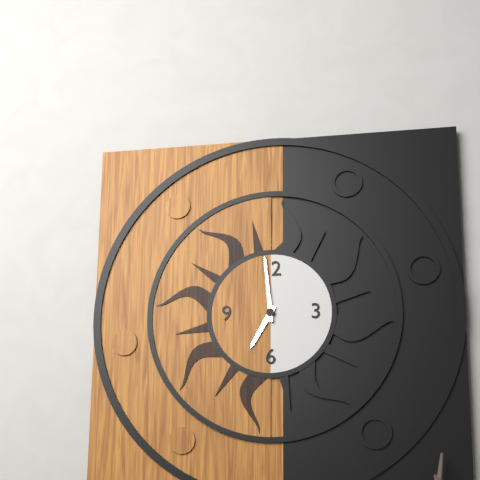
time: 6:59
